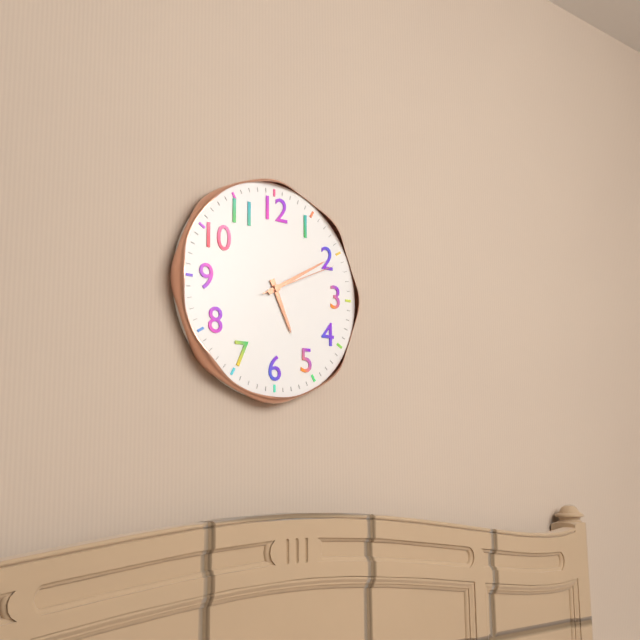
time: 5:10:11
